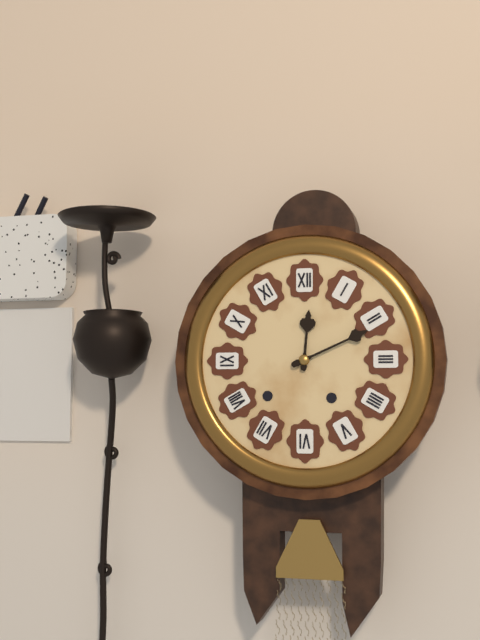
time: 12:11
